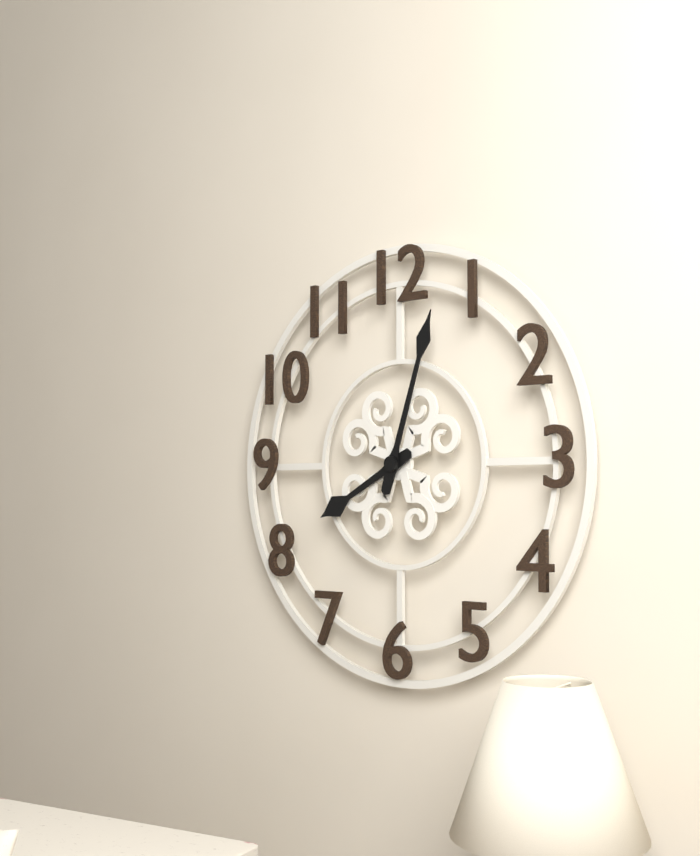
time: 8:03
